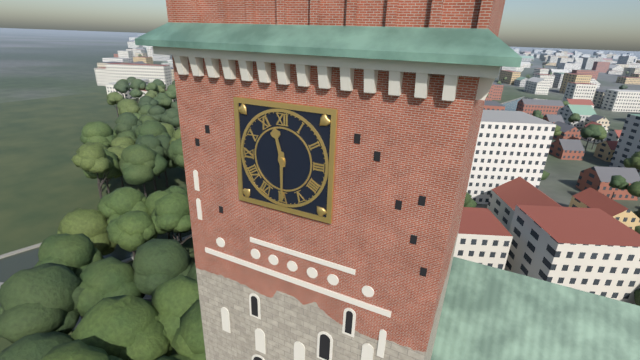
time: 11:30
